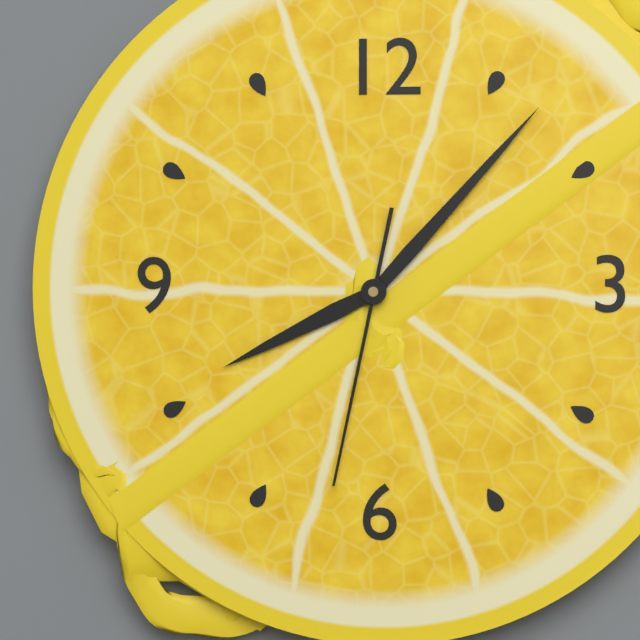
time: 8:07:32
